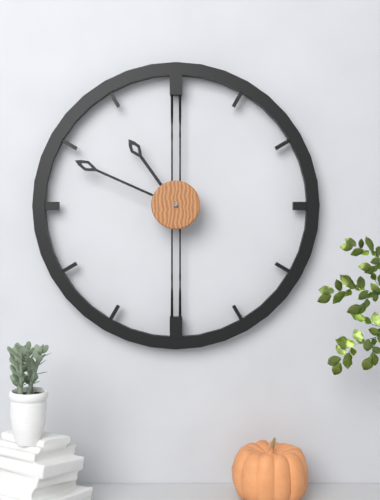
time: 10:49
